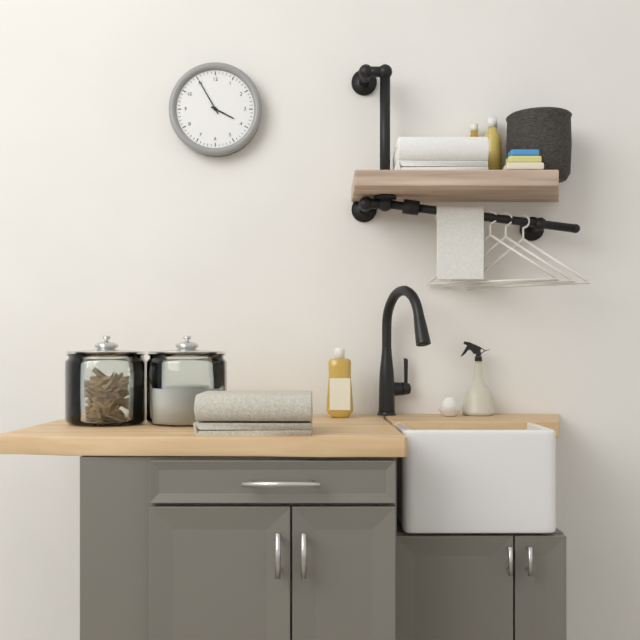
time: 3:55
